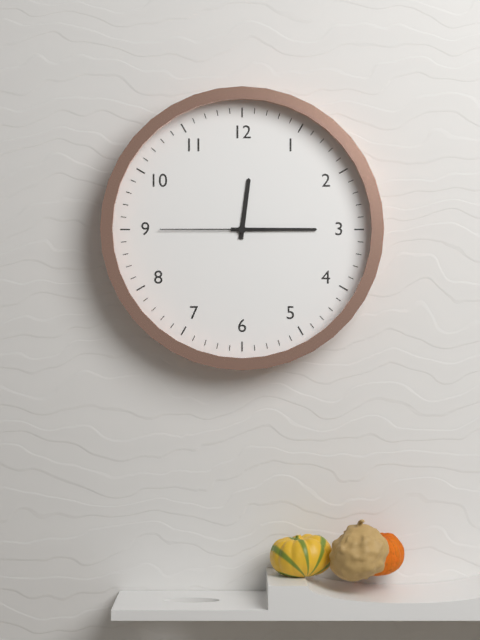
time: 12:15:45
